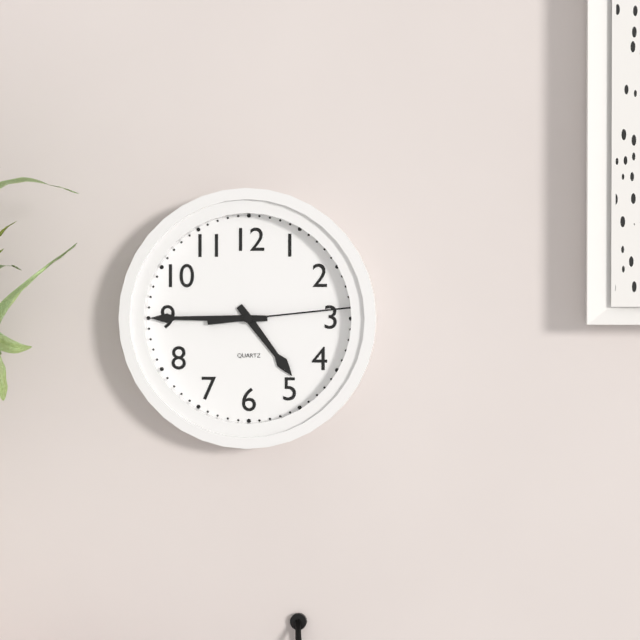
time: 4:45:14
